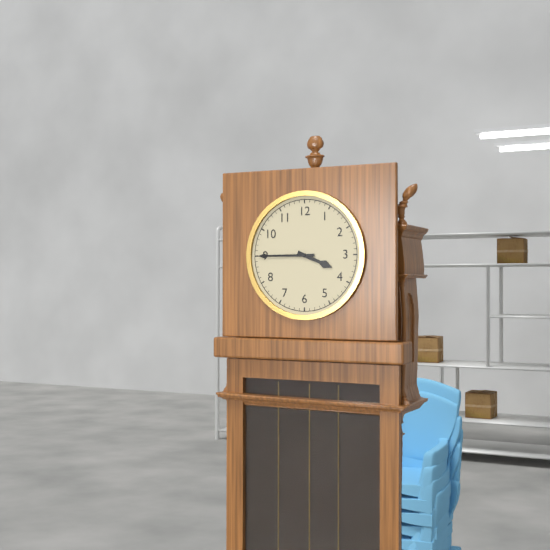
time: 3:45
